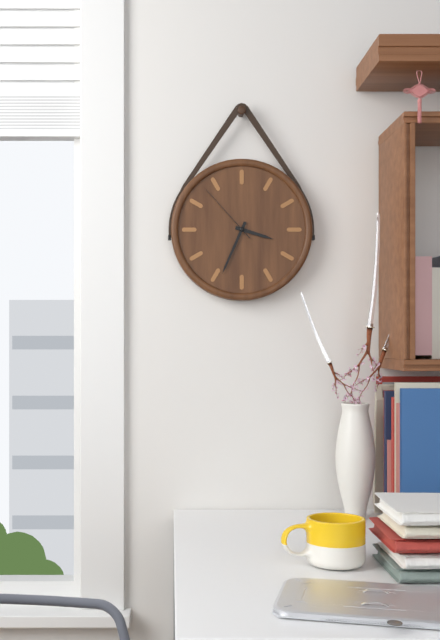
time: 3:34:53
